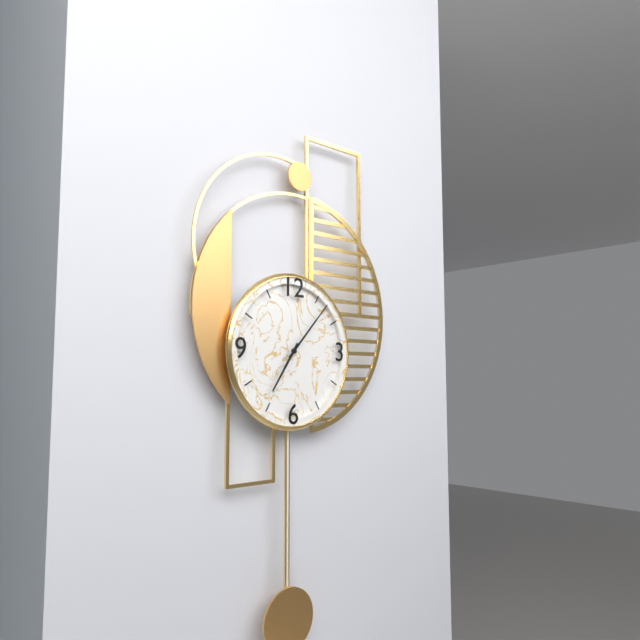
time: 7:07
